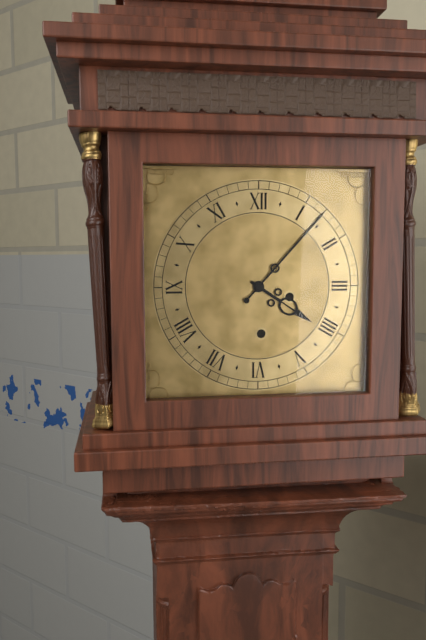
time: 4:07
